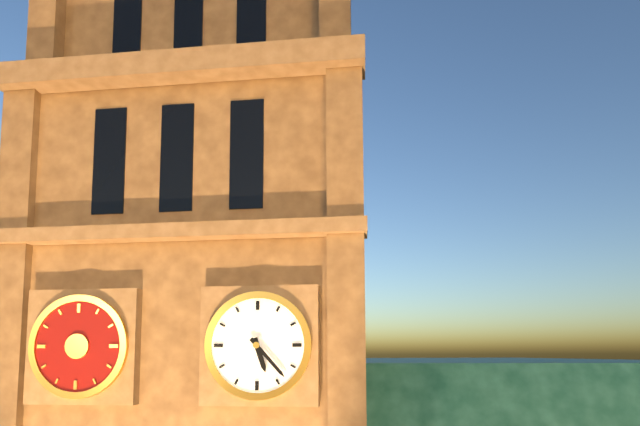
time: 5:23
